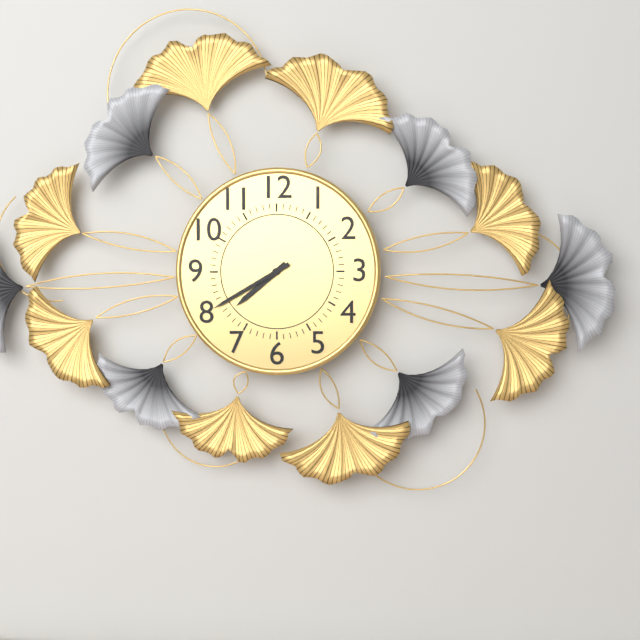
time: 7:40
